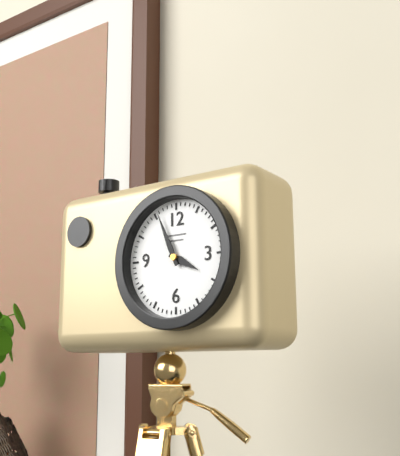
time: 3:56
